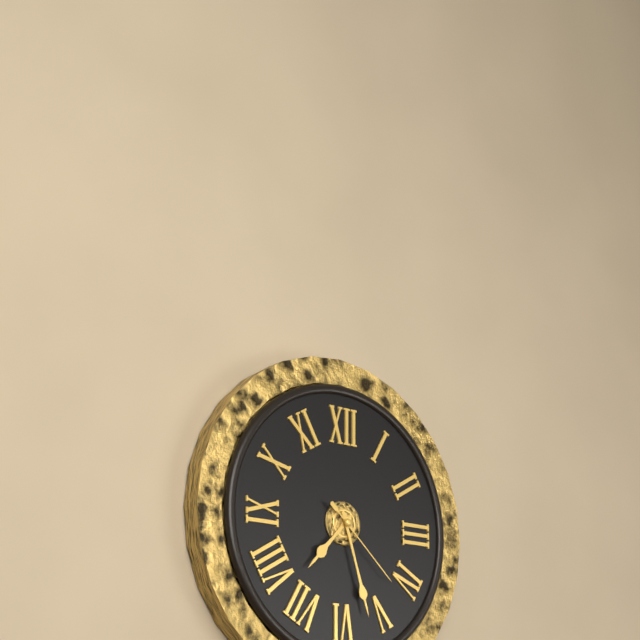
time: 7:27:22
